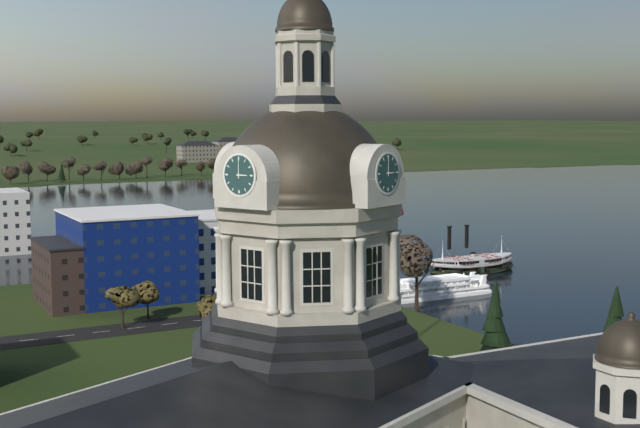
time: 3:00
